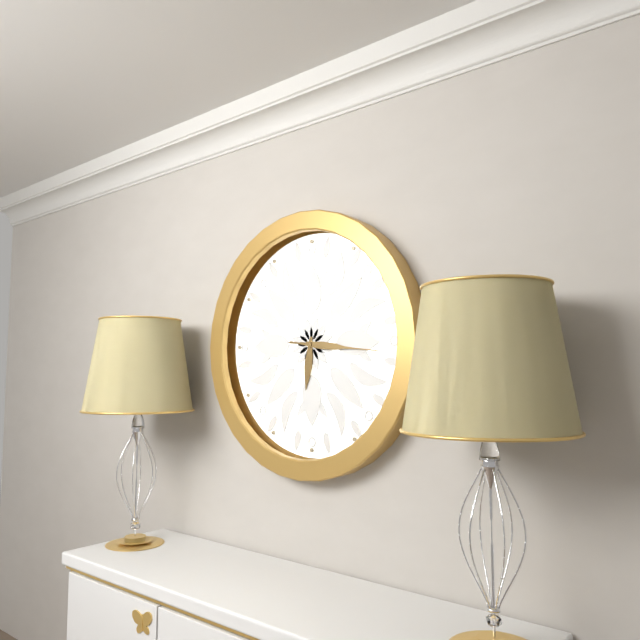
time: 6:16
